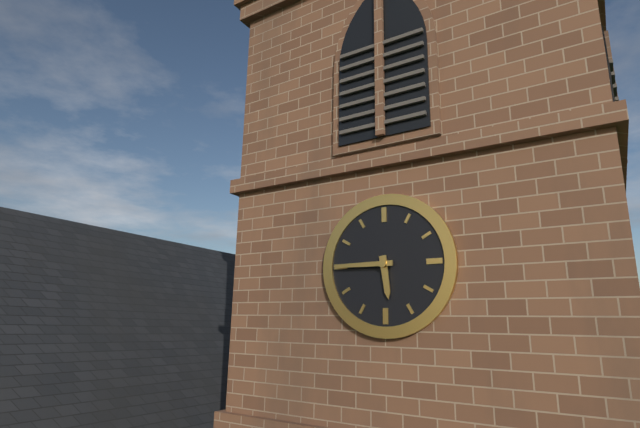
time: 5:45
